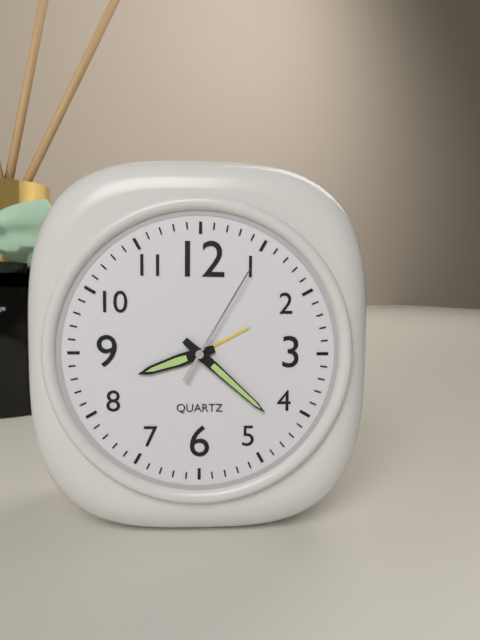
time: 8:22:05
